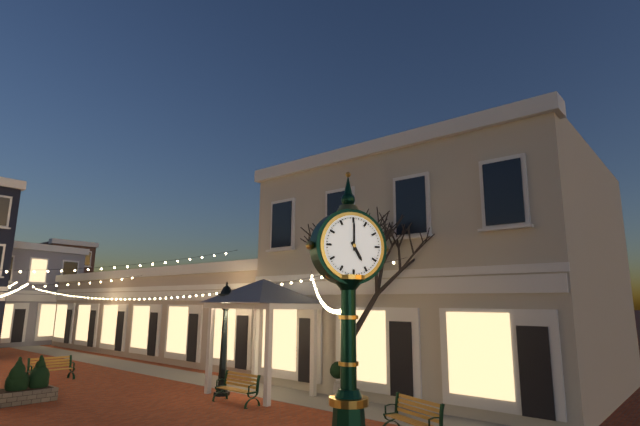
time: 5:00
